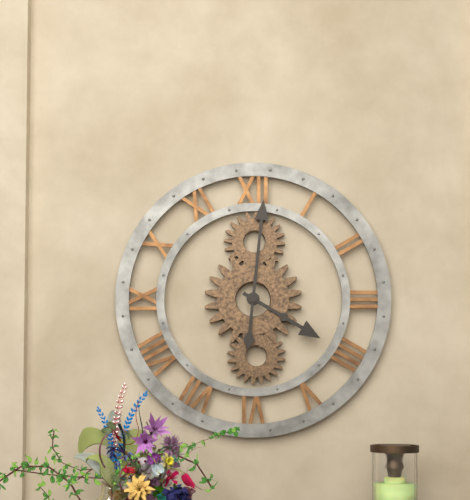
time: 4:01
